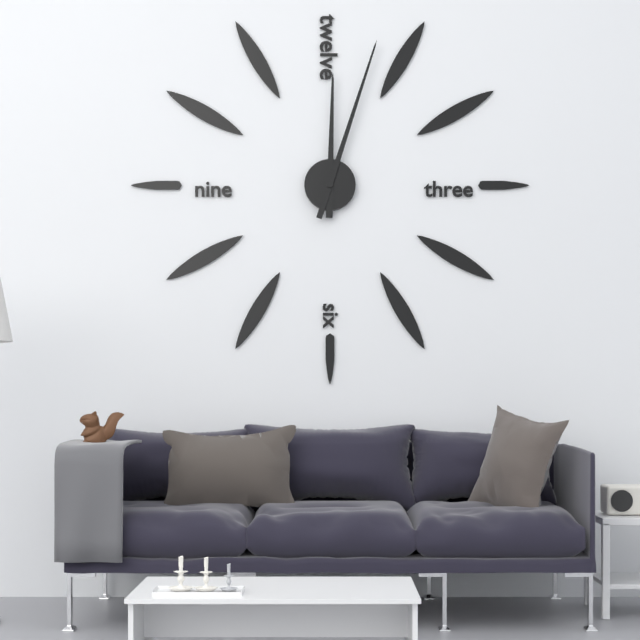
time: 12:03
